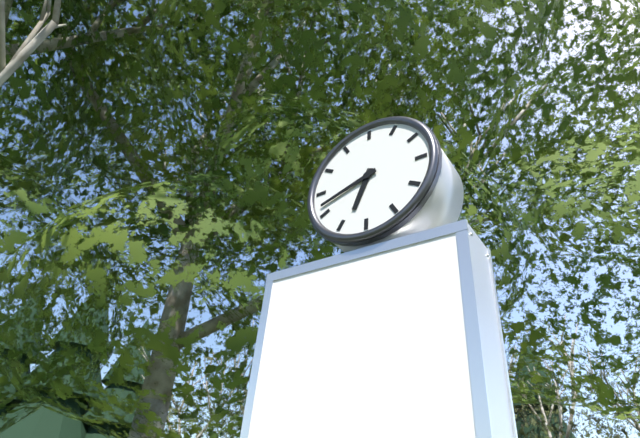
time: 6:42
